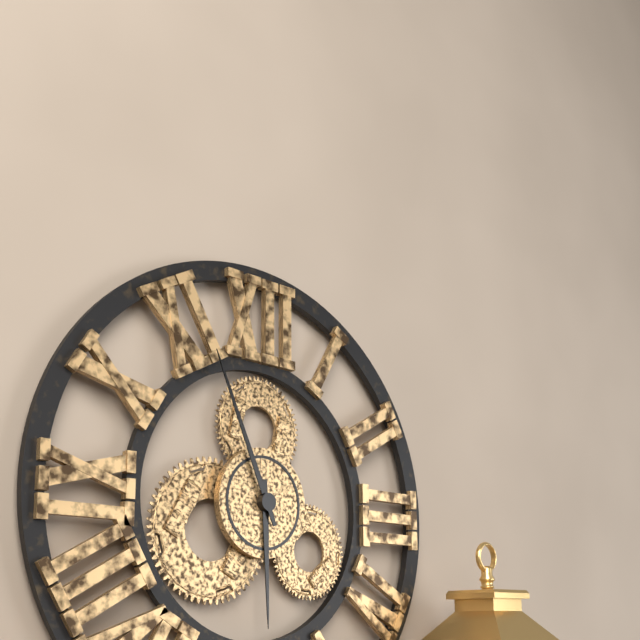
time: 5:56
